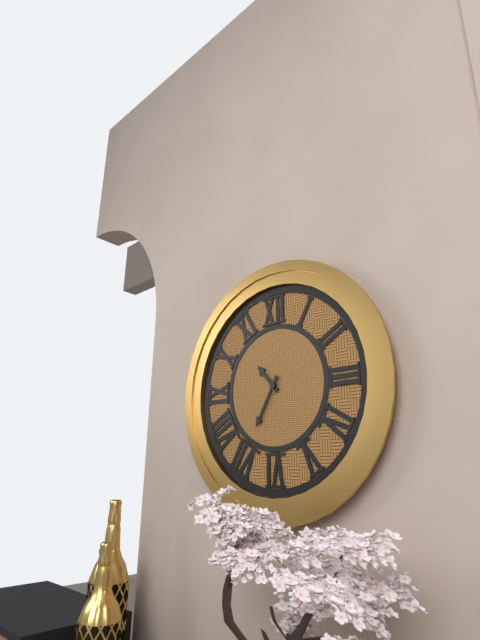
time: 10:35
